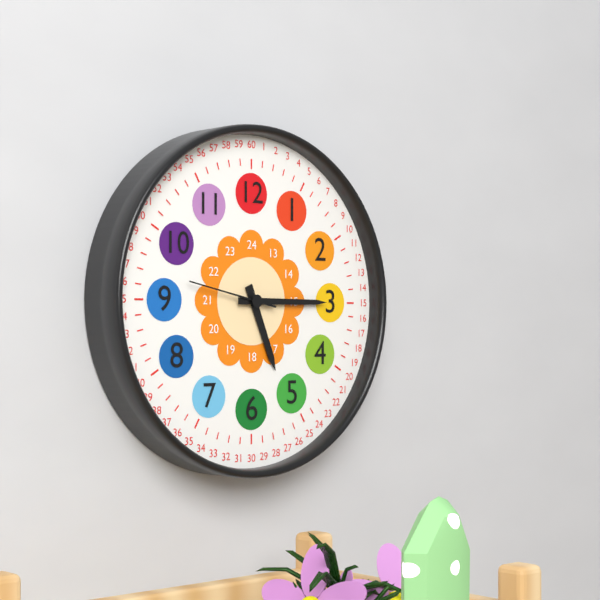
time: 5:15:47
